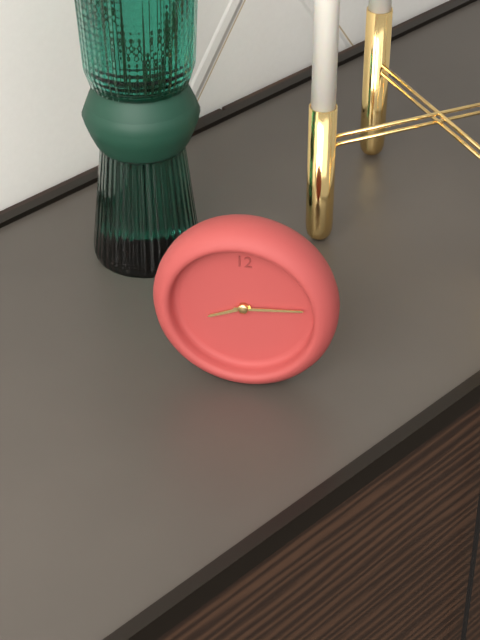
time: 8:14
